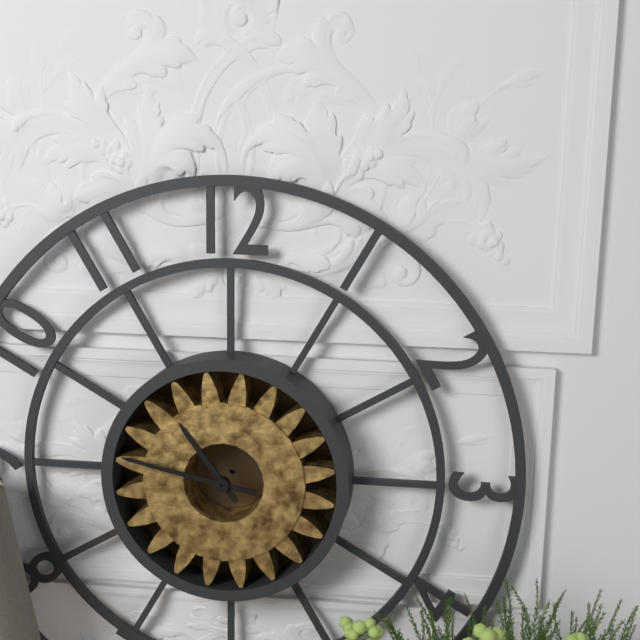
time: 10:47
